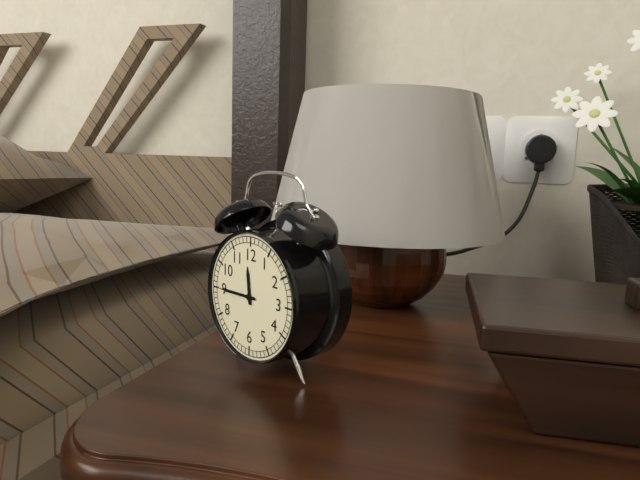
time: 11:45
